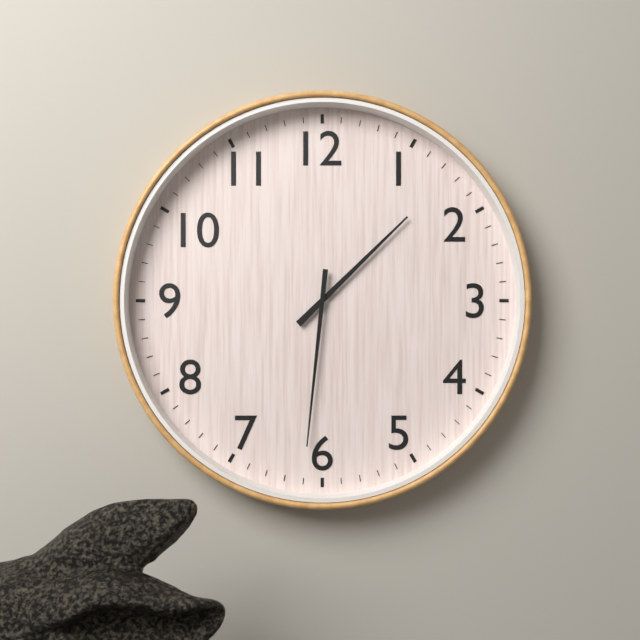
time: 1:31
